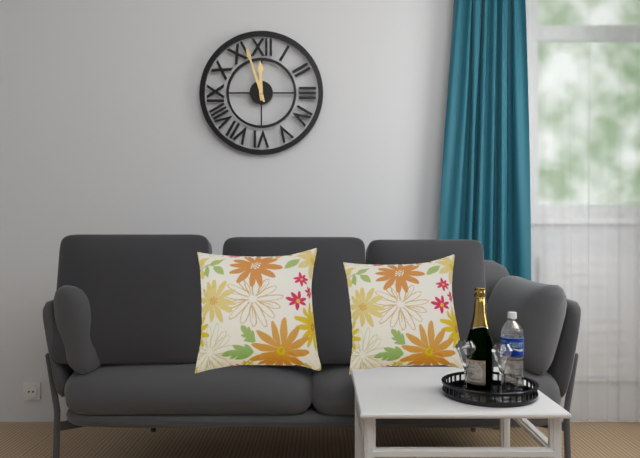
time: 11:57
